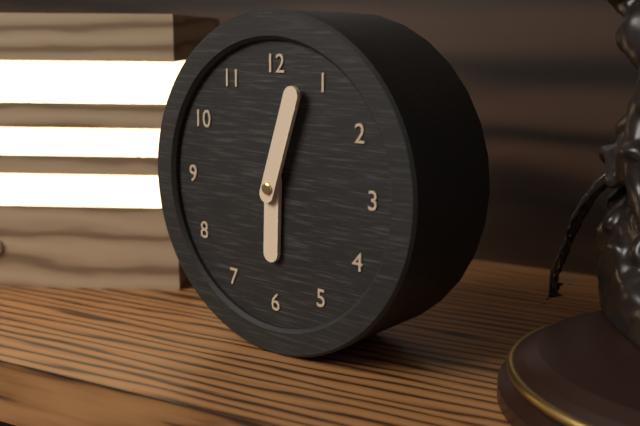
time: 6:03
